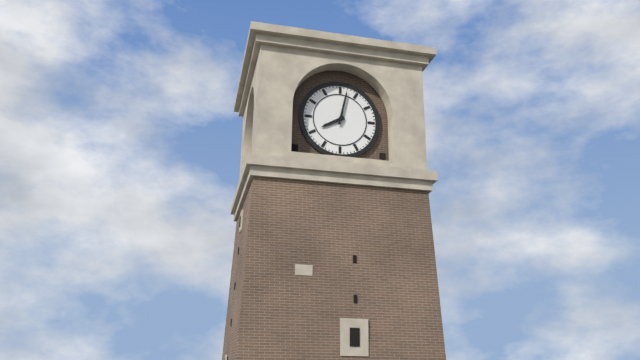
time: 8:02
